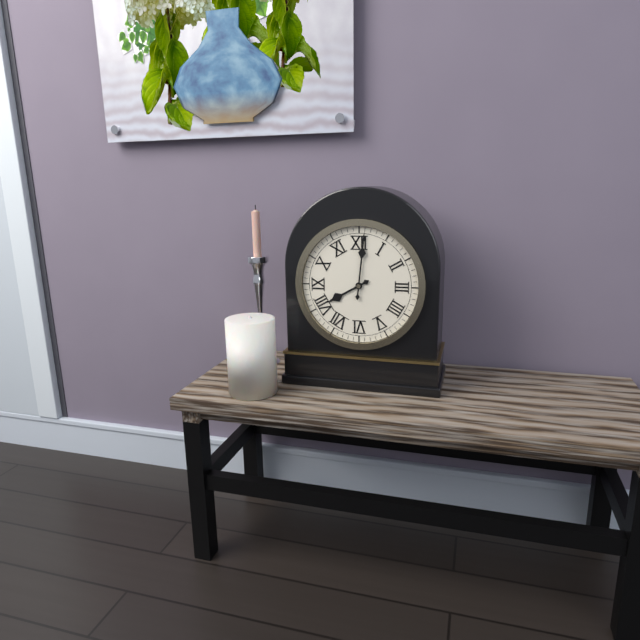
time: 8:01
